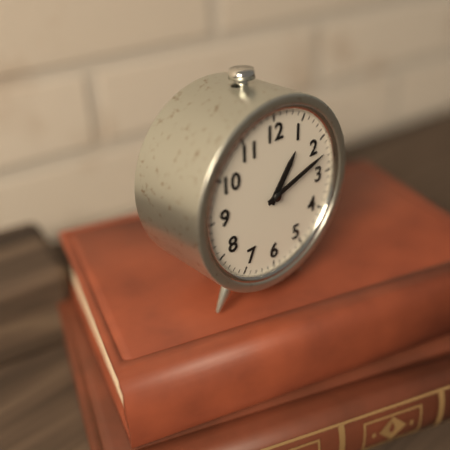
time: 1:12
